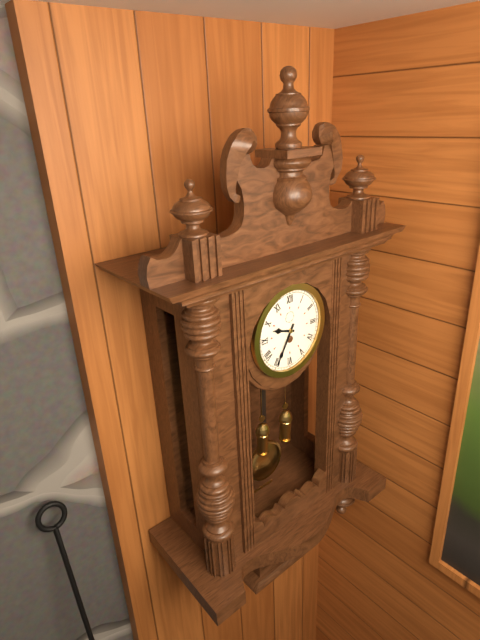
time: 9:35
